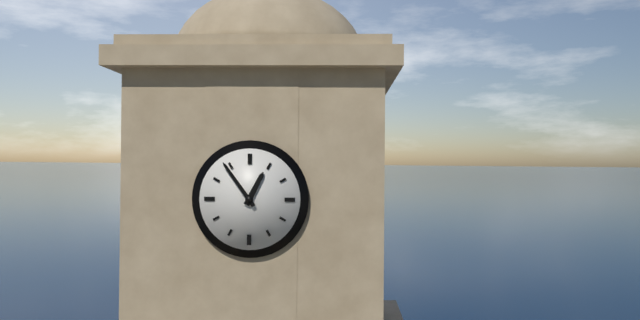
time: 12:54
